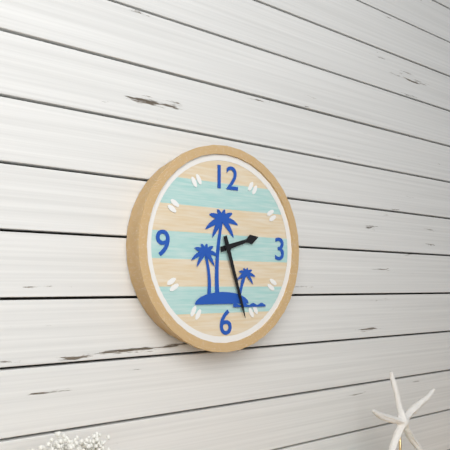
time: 2:27
